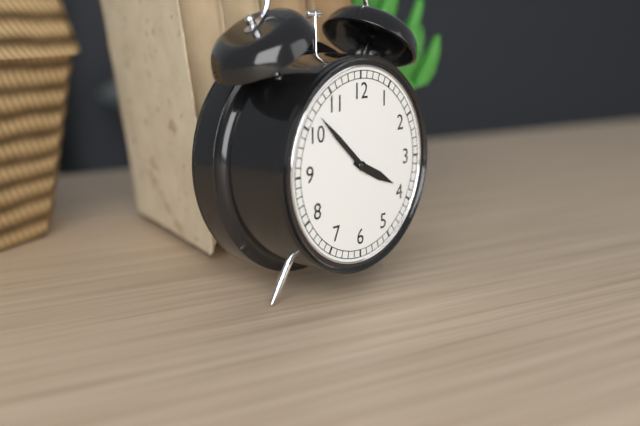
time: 3:52
